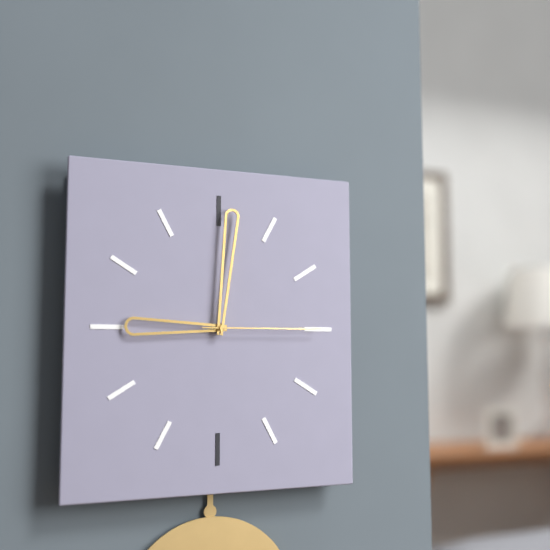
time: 9:01:15
